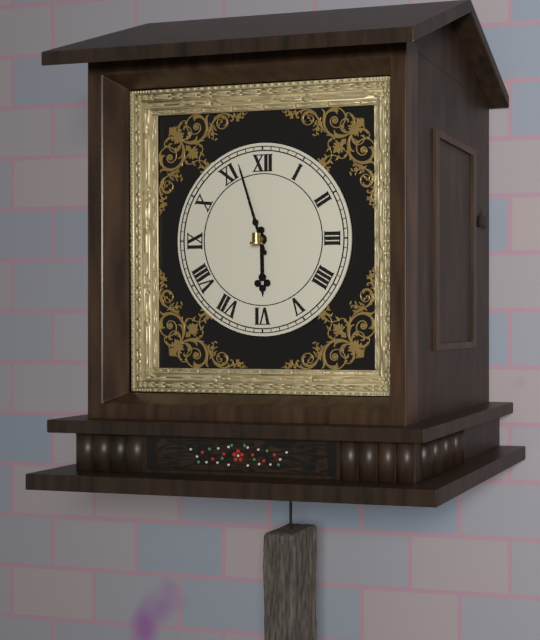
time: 5:57
